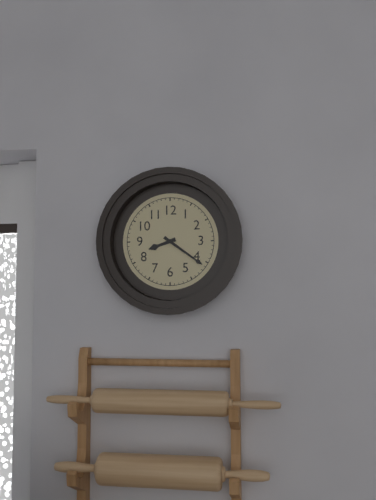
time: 8:21
